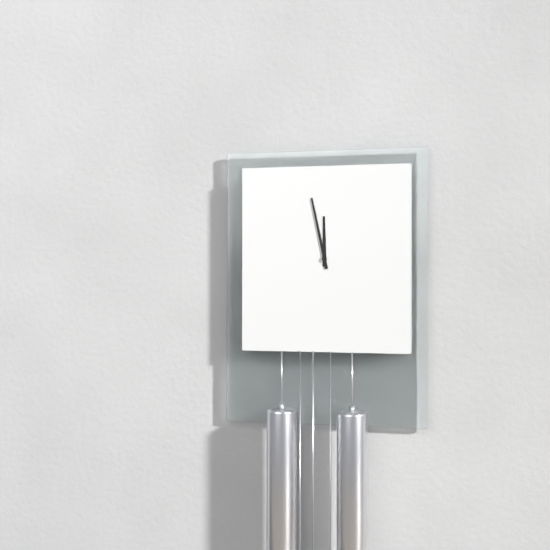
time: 11:58
